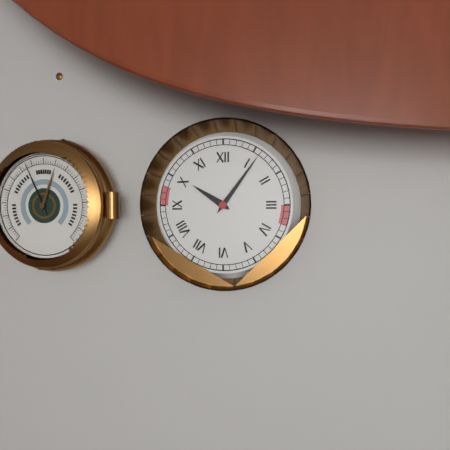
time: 10:06
